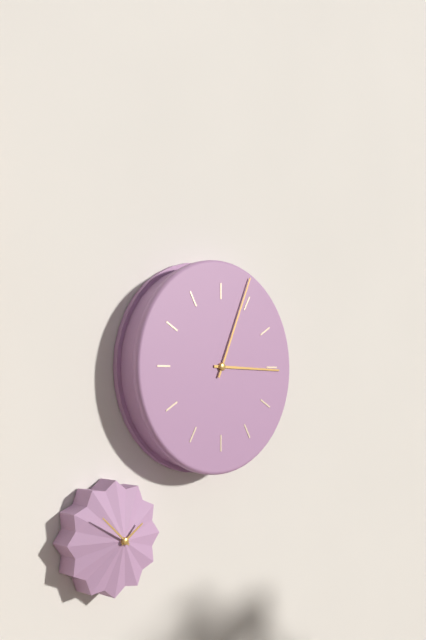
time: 3:04
